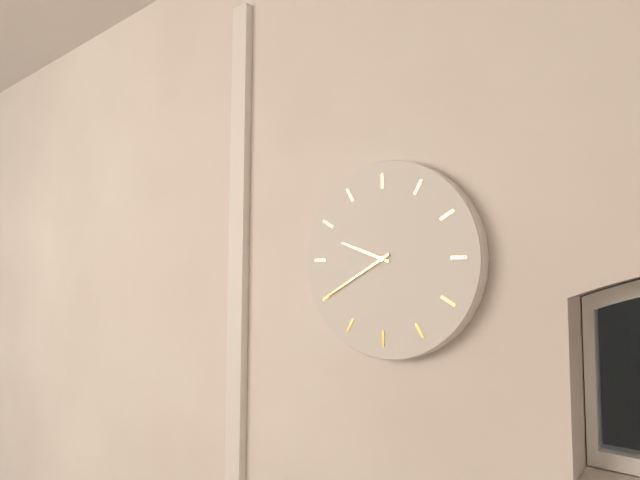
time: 9:40
